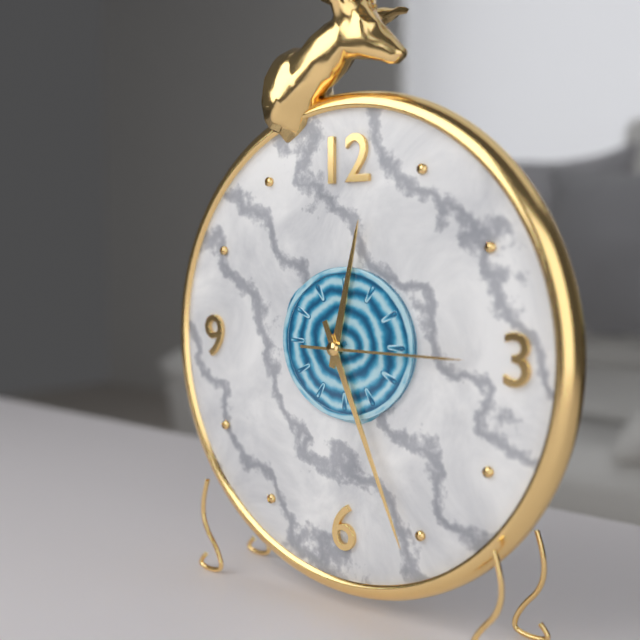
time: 12:26:15
